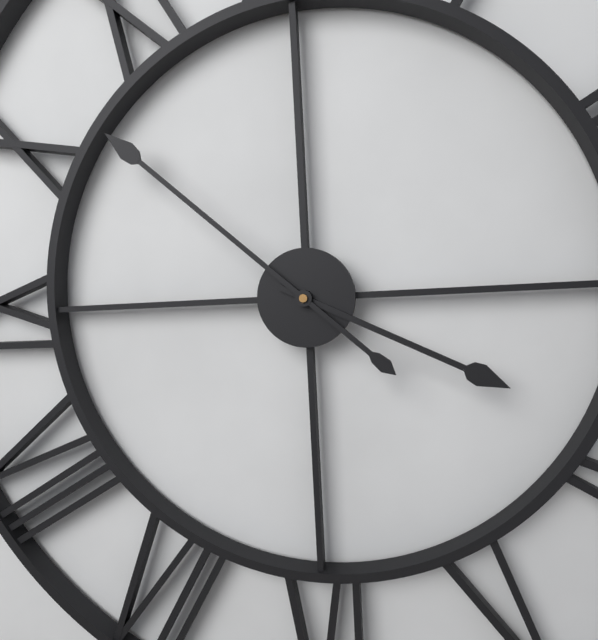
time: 3:52
